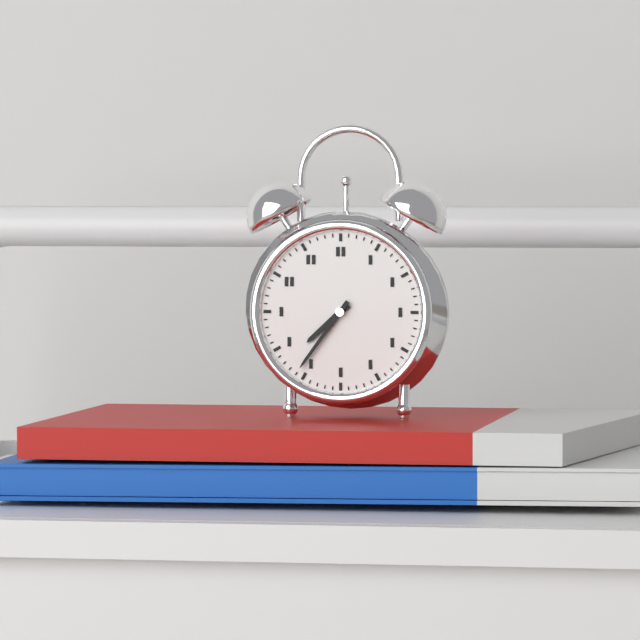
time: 7:36
